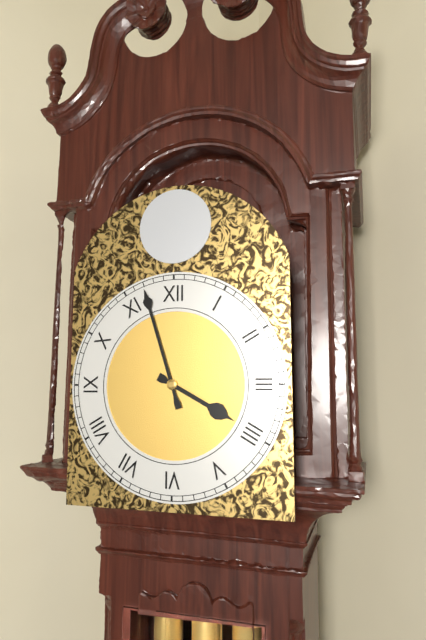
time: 3:57
